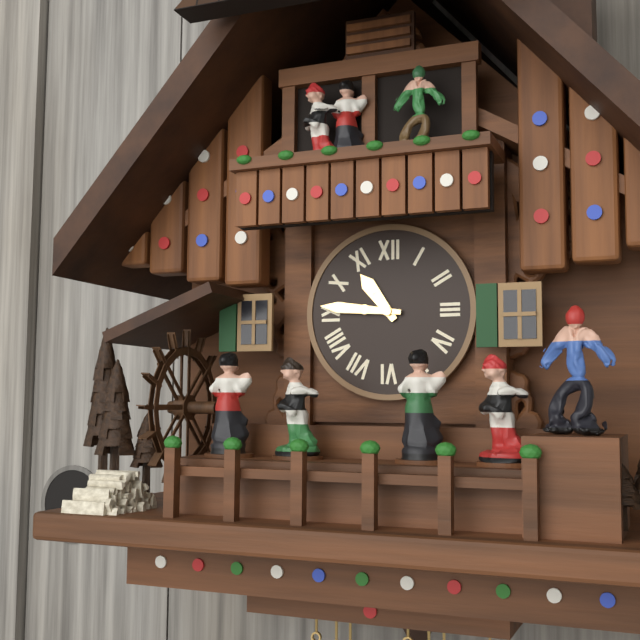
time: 10:46
